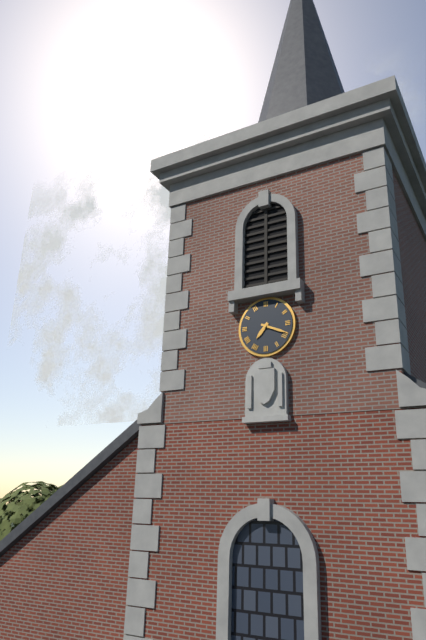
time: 7:19
